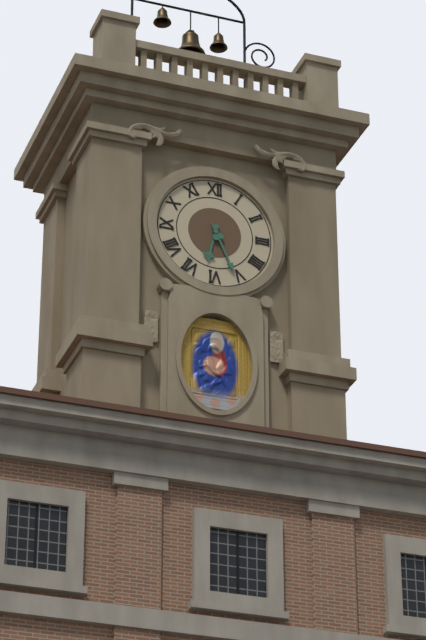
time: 6:26
